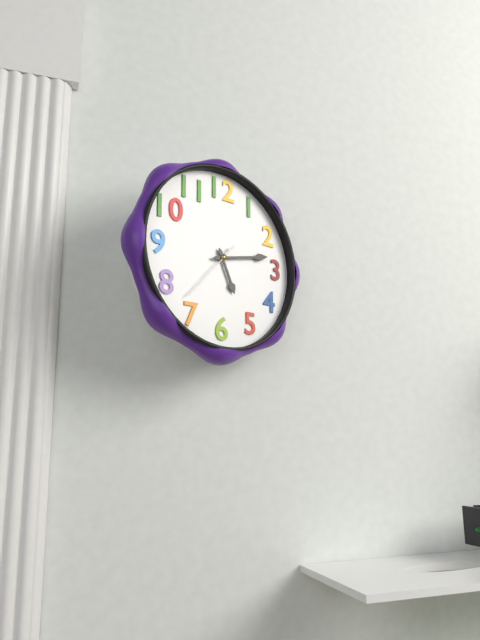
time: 5:13:37
